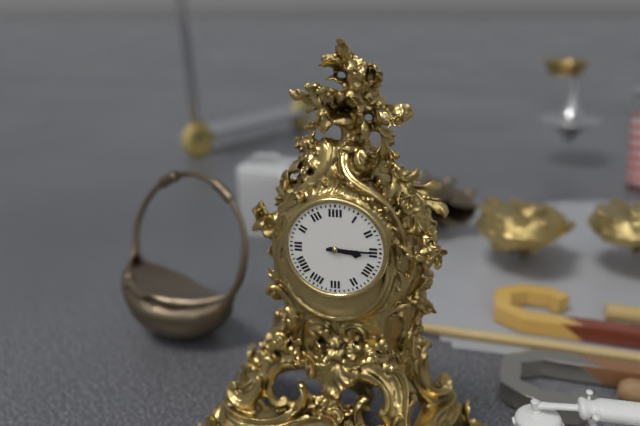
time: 3:15
